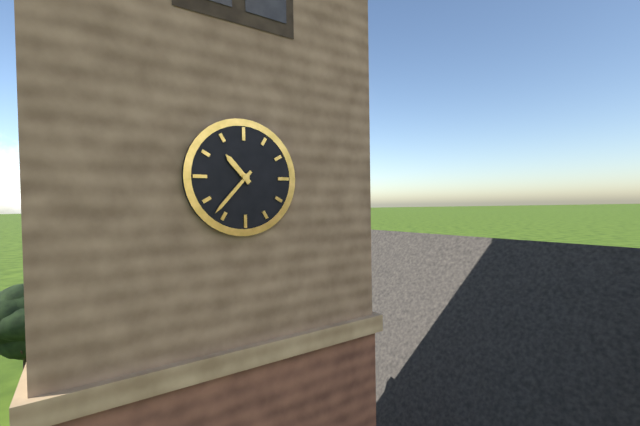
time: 10:37
